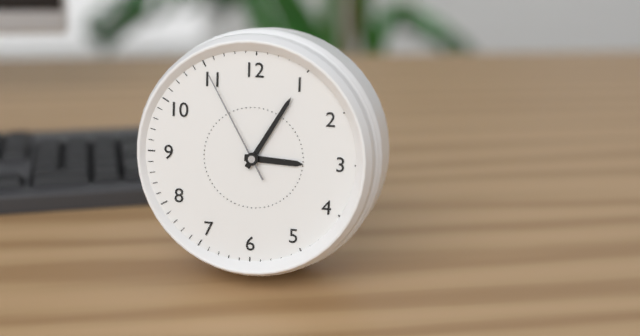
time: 3:05:55
